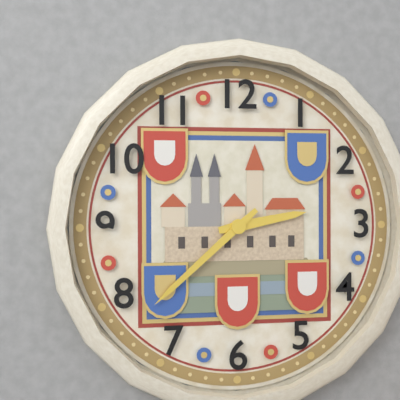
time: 2:38
